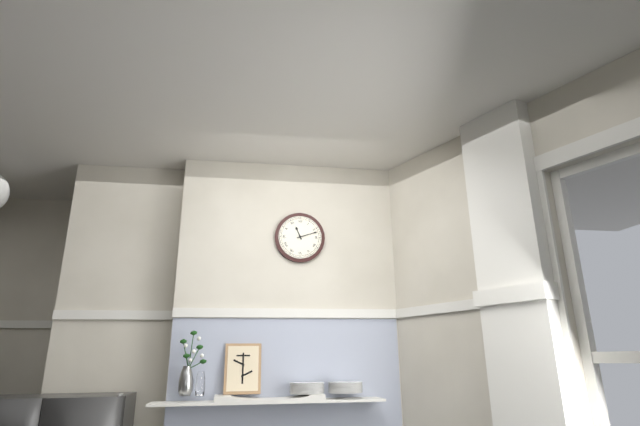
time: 11:12
